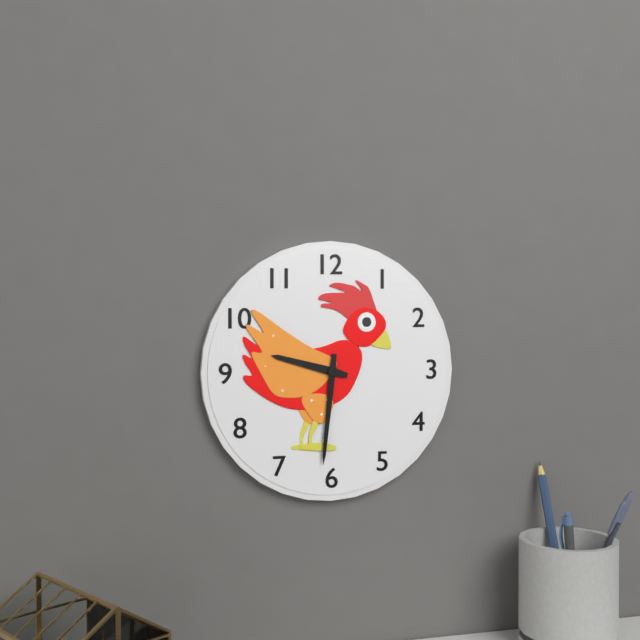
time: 9:31
